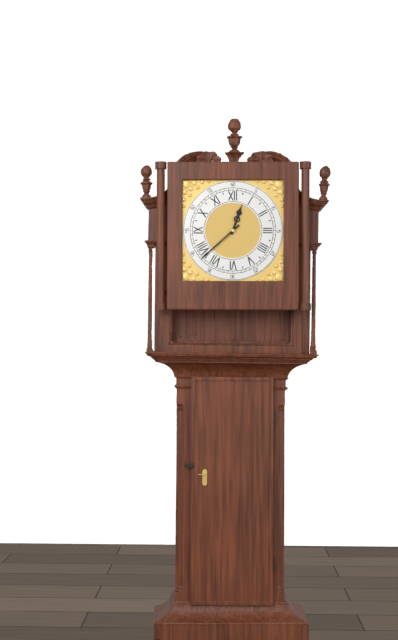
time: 12:38
